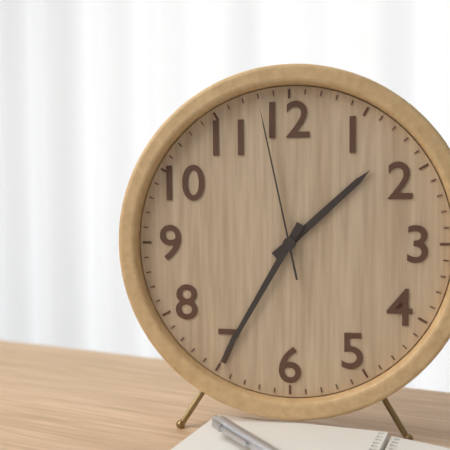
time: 1:35:58
